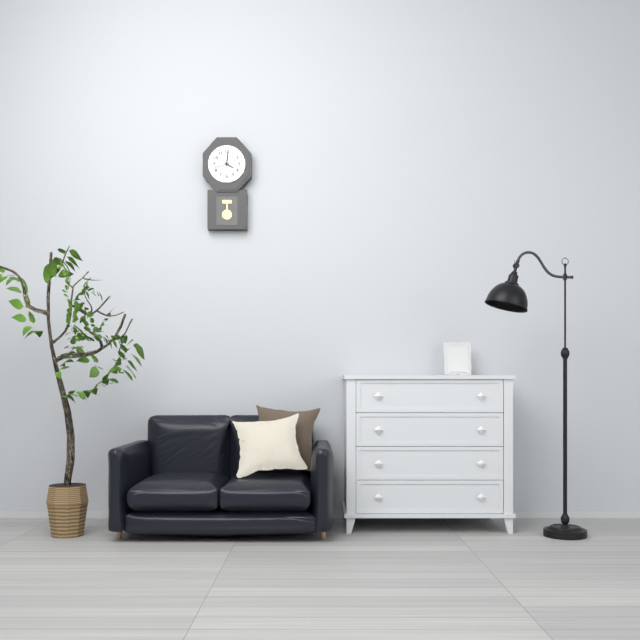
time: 4:01
